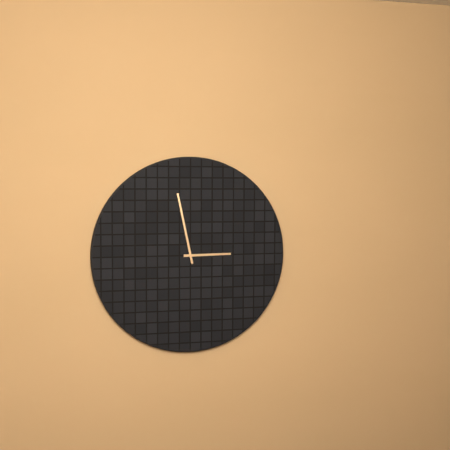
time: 2:58
